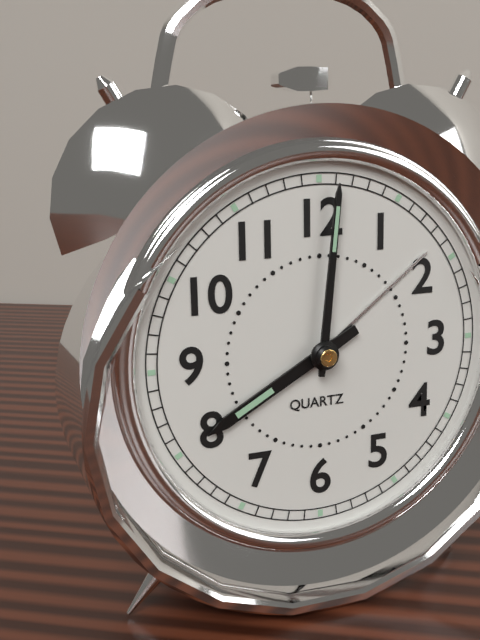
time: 8:01
